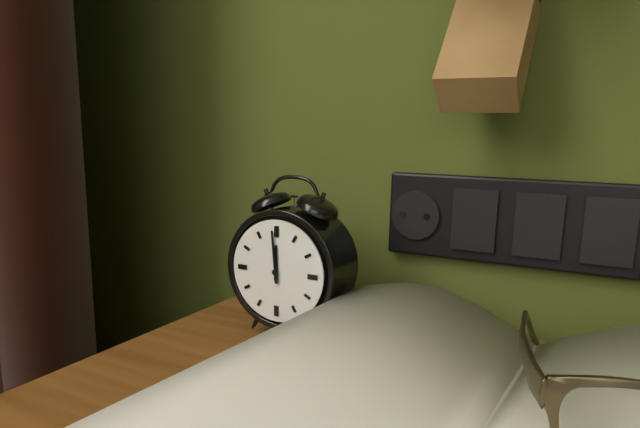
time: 11:59
